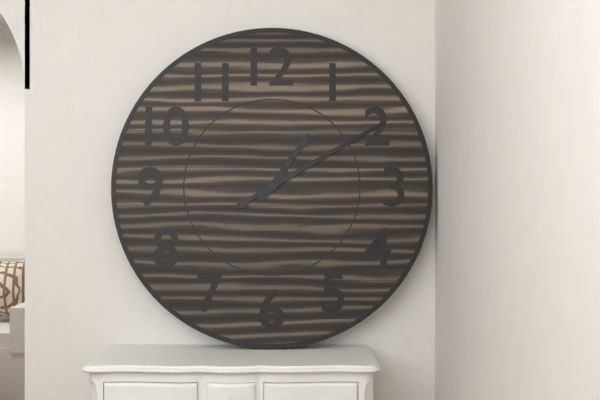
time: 1:10
